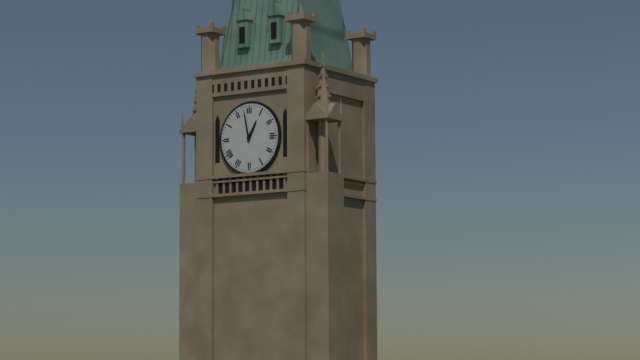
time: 12:58
